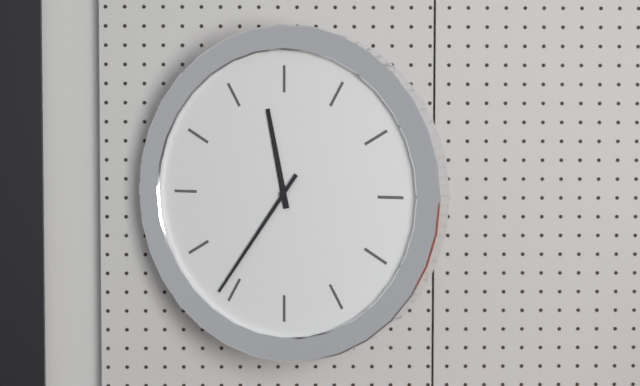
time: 11:36
